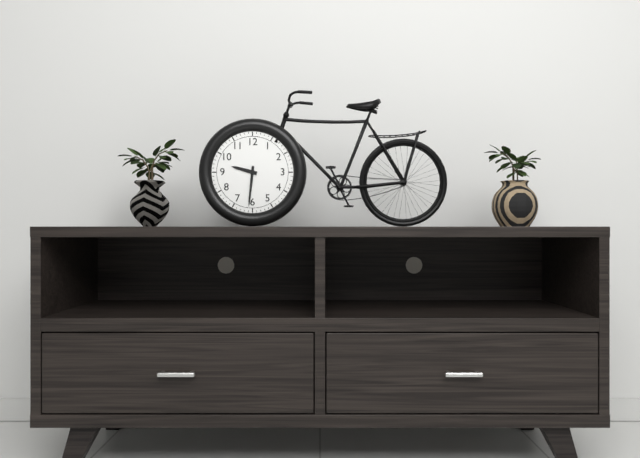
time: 9:31
